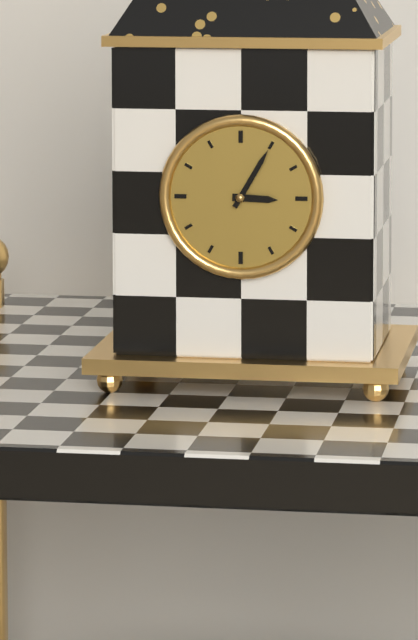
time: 3:05
